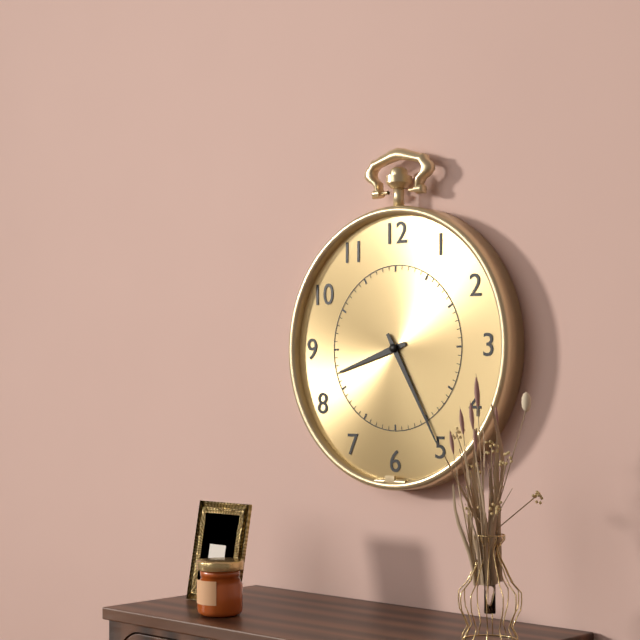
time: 8:25
